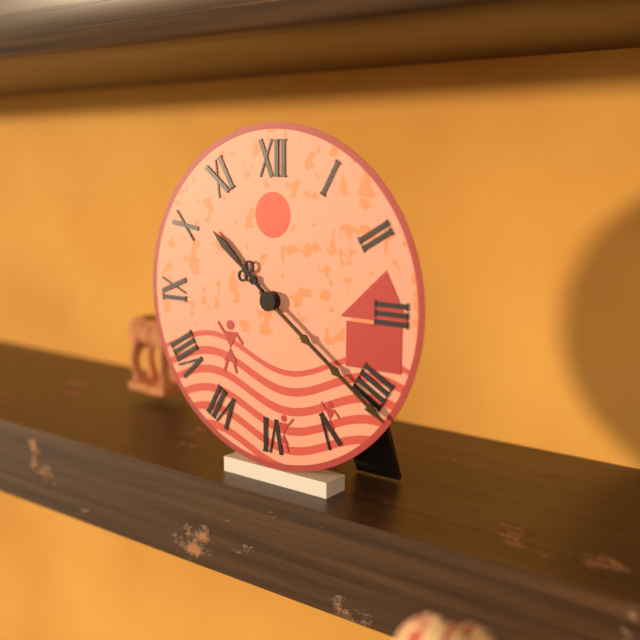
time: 10:21
